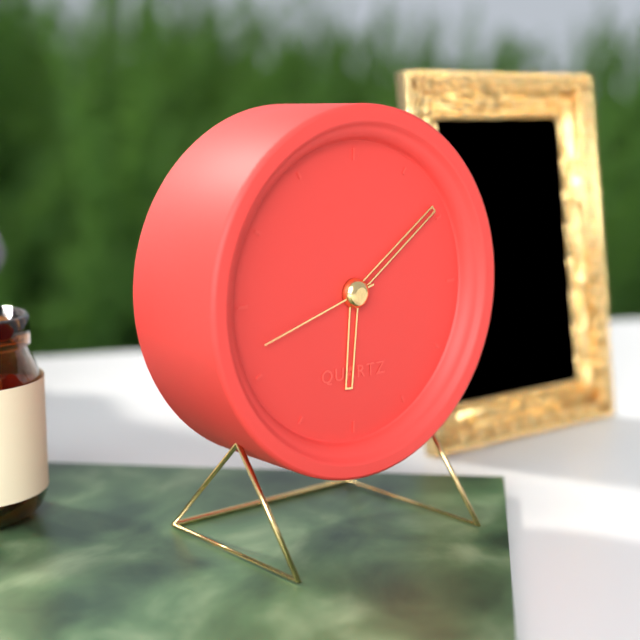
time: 6:09:42
